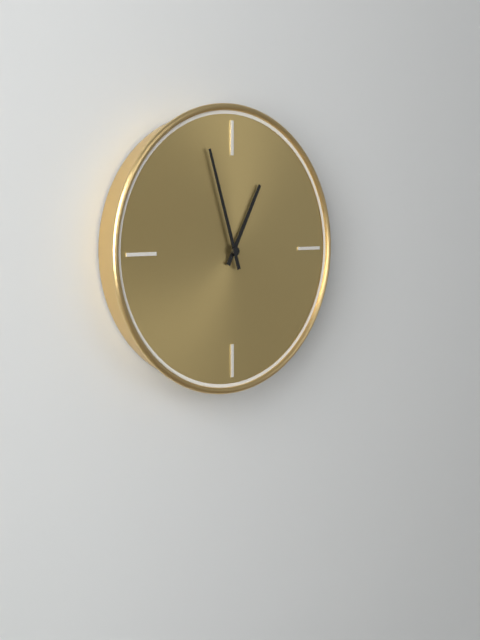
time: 12:57
